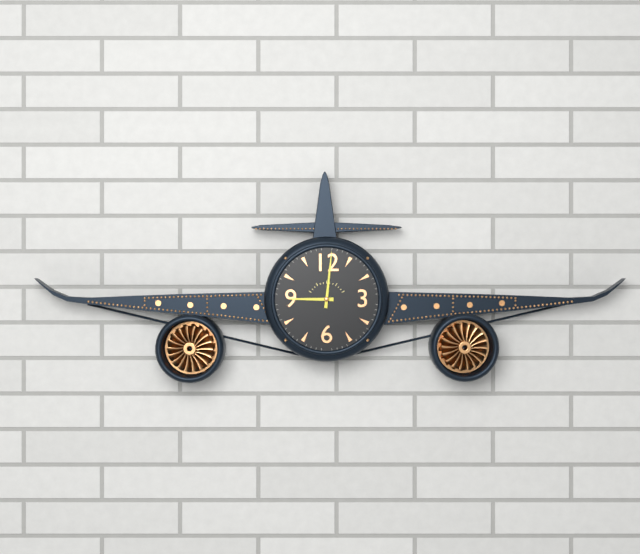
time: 9:01
